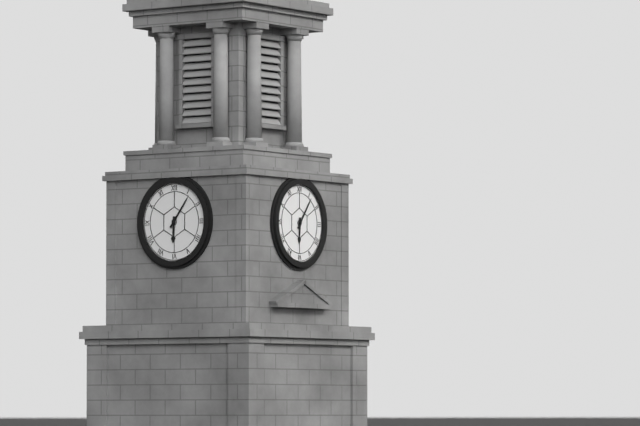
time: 6:06
